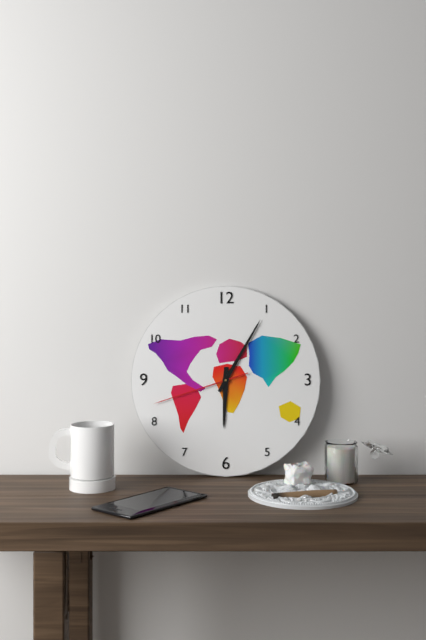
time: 6:05:42
